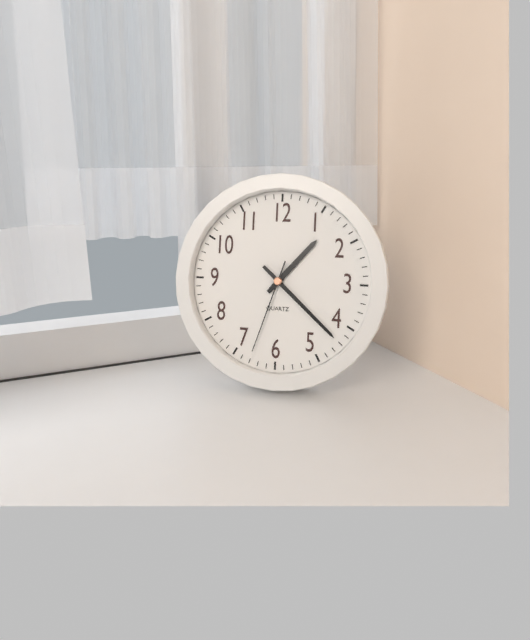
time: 1:22:33
